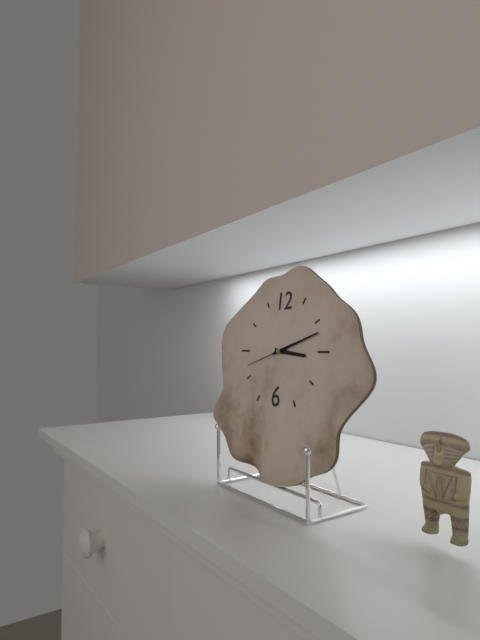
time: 3:12
